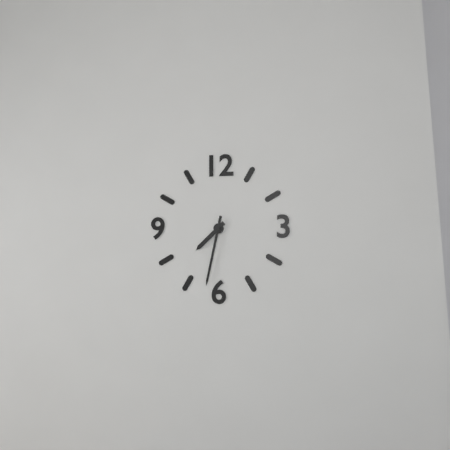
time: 7:32
